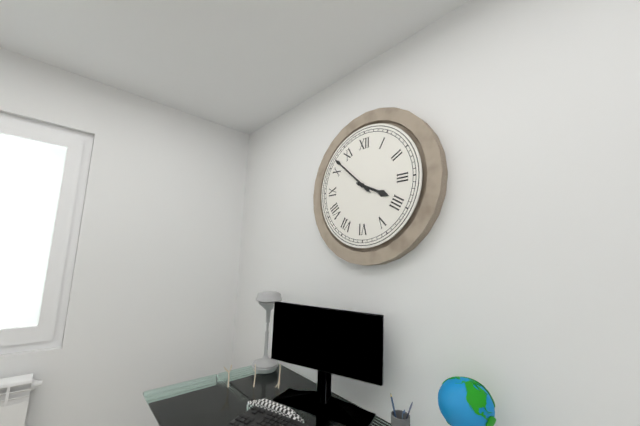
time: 3:52
